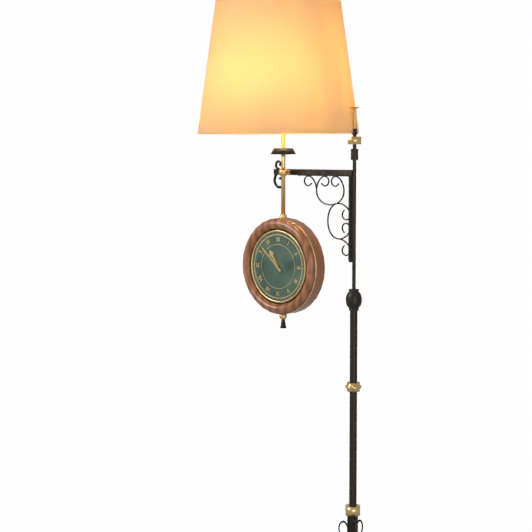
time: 10:52
